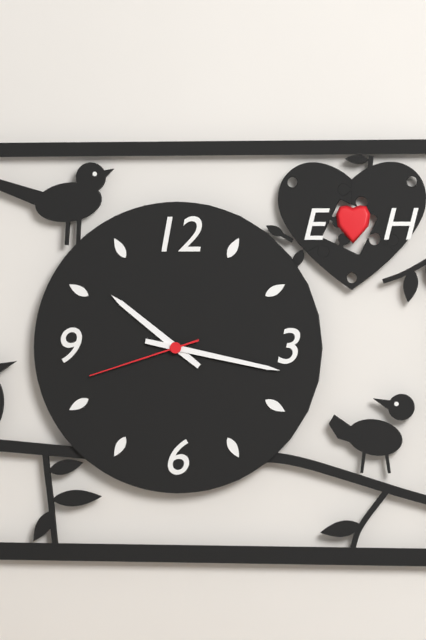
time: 10:17:42
